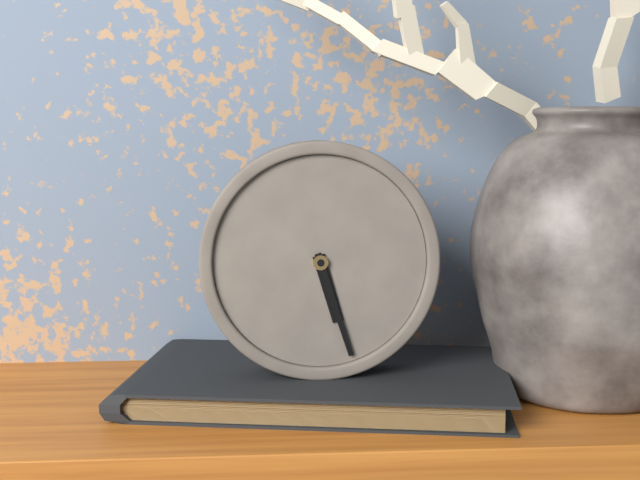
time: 5:27
